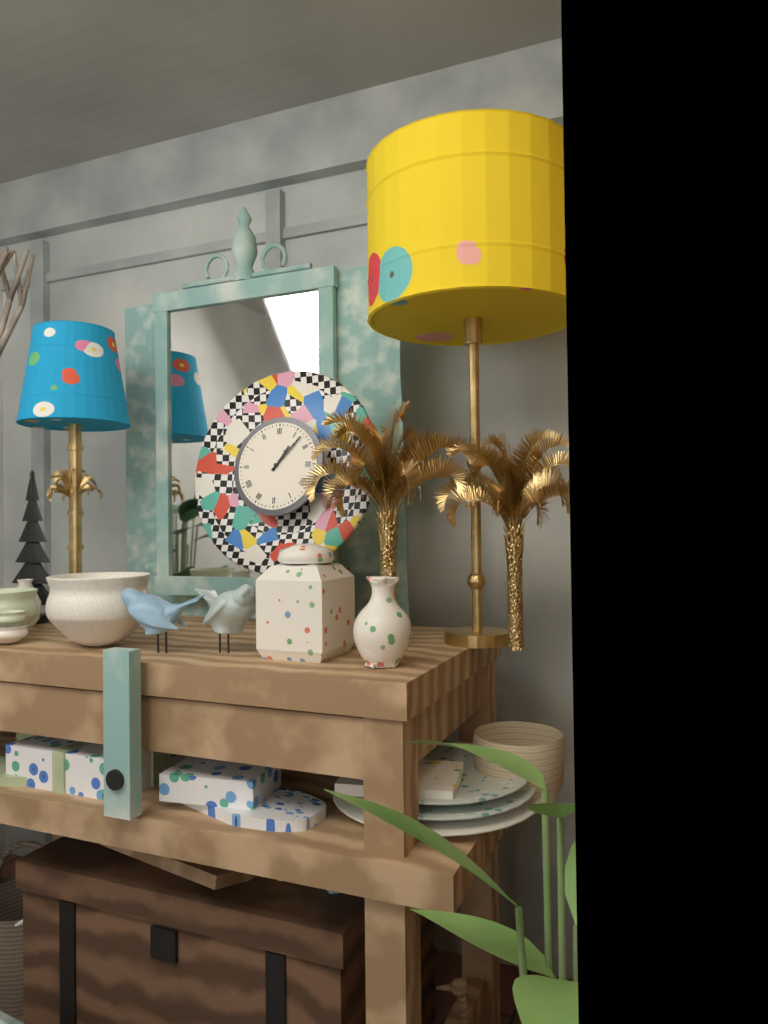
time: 1:07
